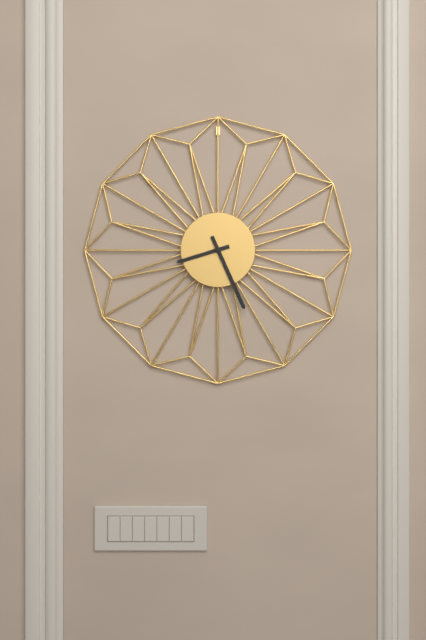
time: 8:26
